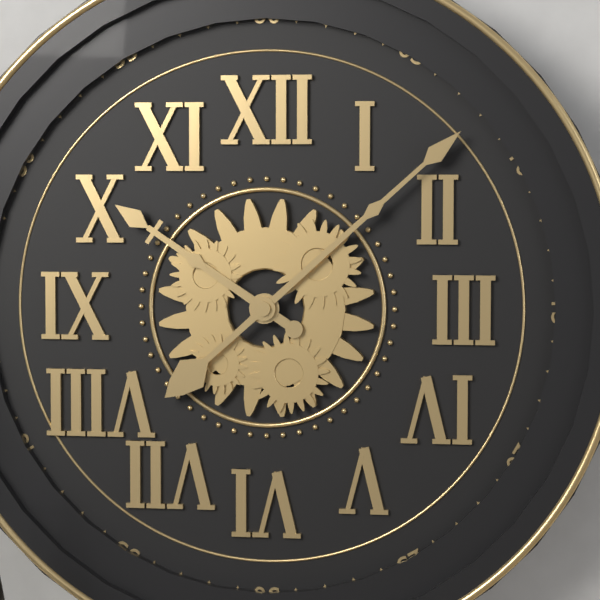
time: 10:08
